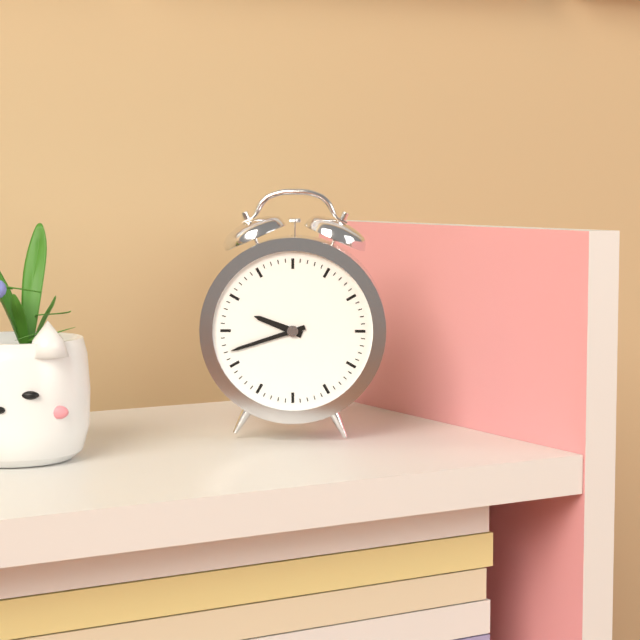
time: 9:42
